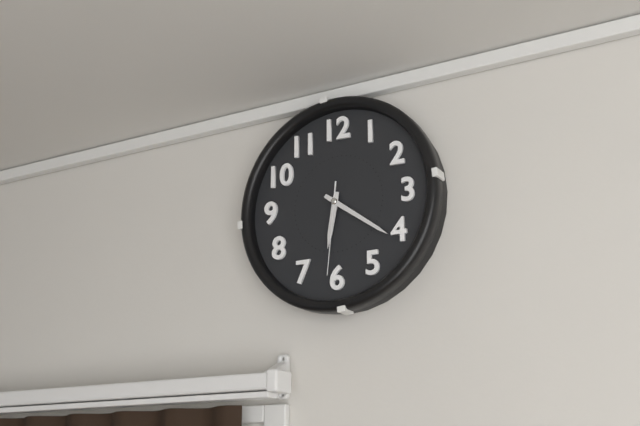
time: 6:21:31
